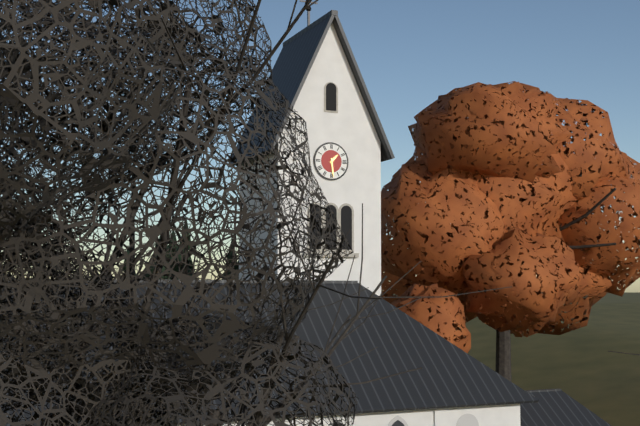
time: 1:29
